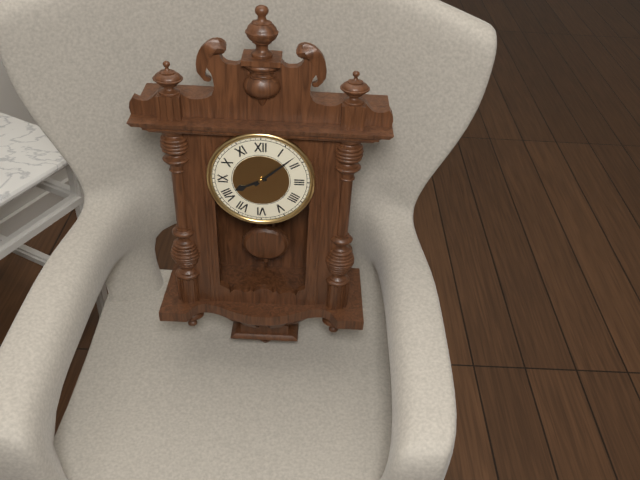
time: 8:08
